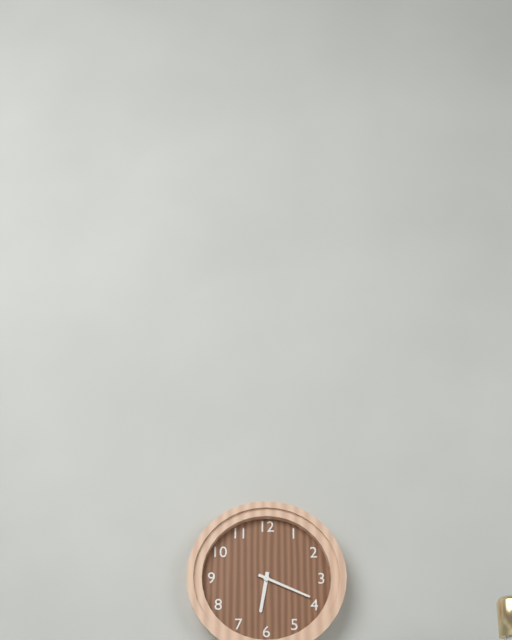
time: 6:19
